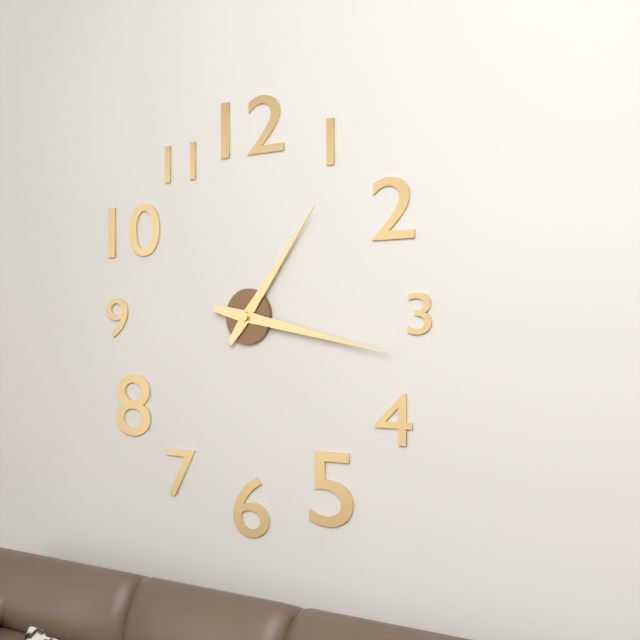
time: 1:17
